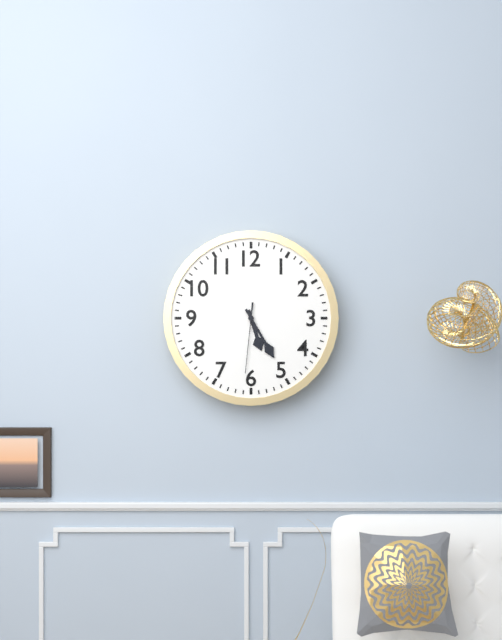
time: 5:25:31
